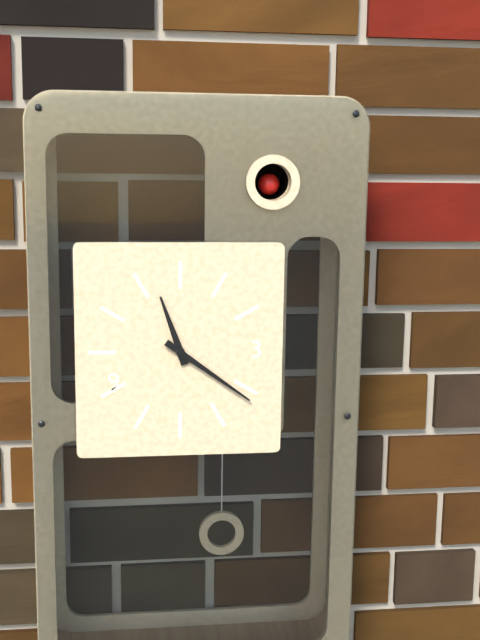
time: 11:21
